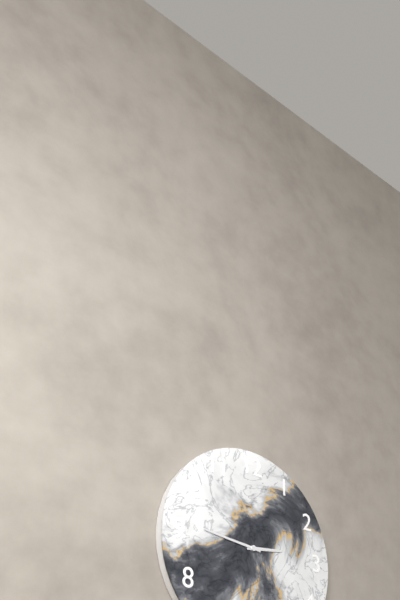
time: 2:46
